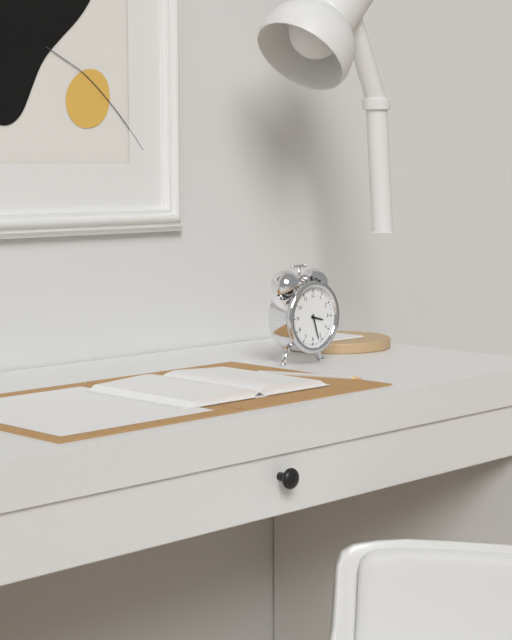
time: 3:27
